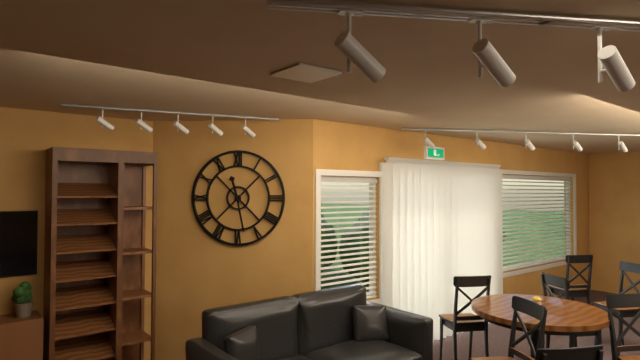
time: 11:28
